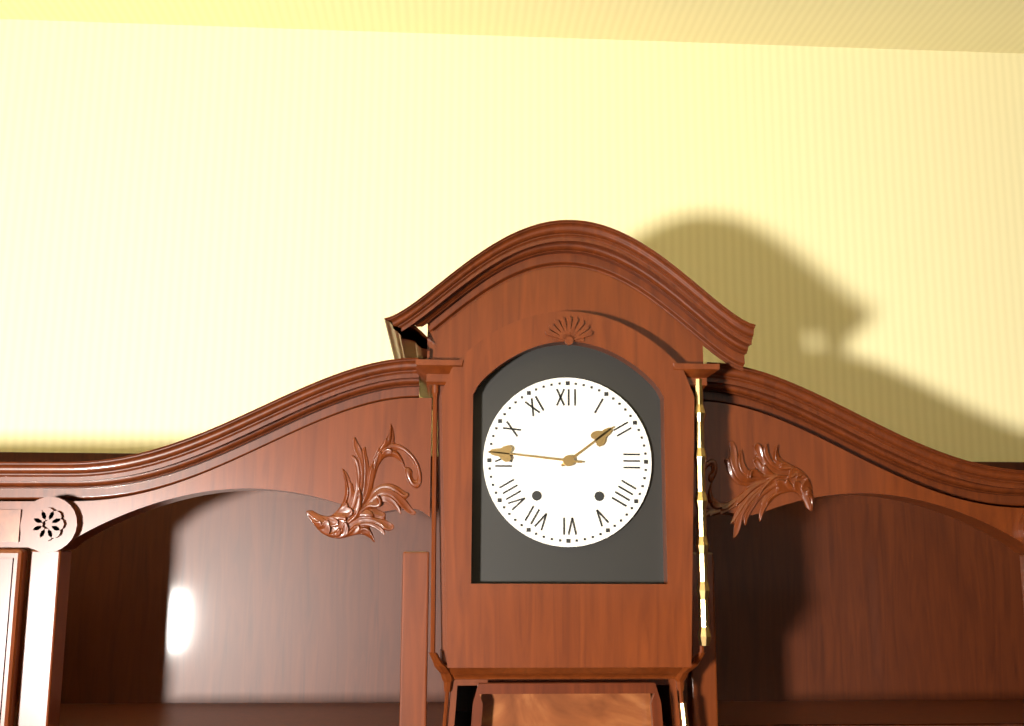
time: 1:46
